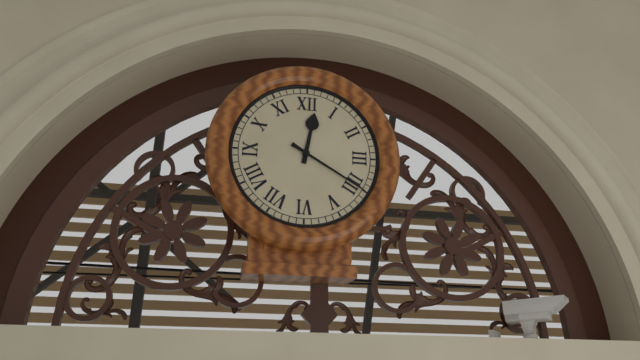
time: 12:20
